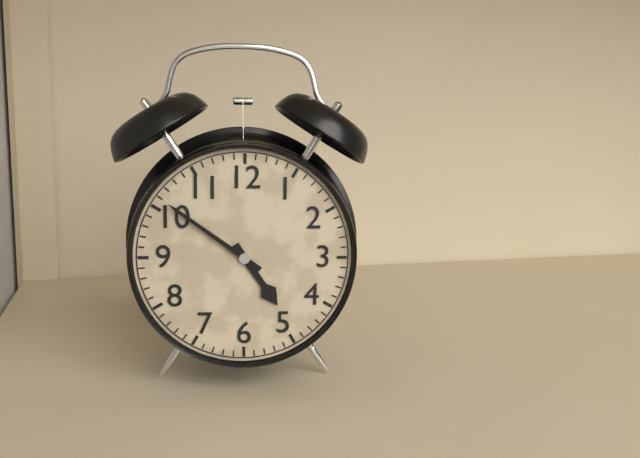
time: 4:51
